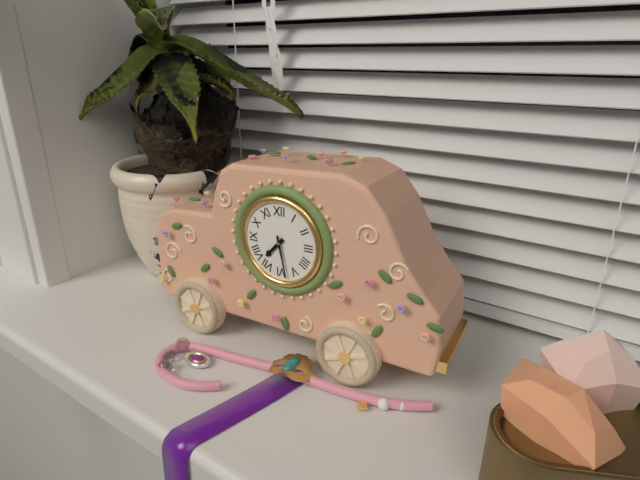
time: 7:28
